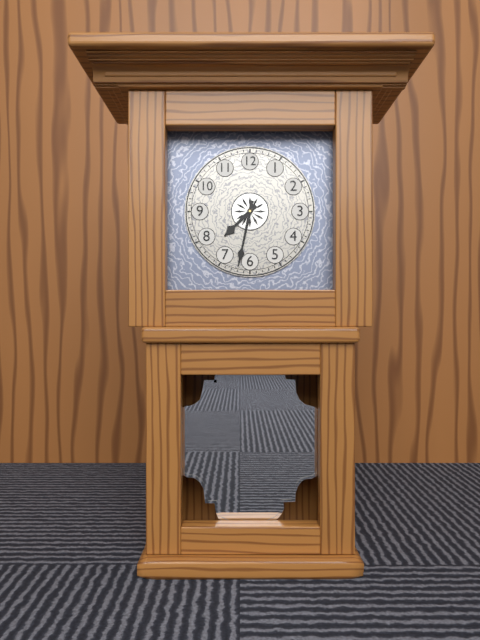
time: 7:32
